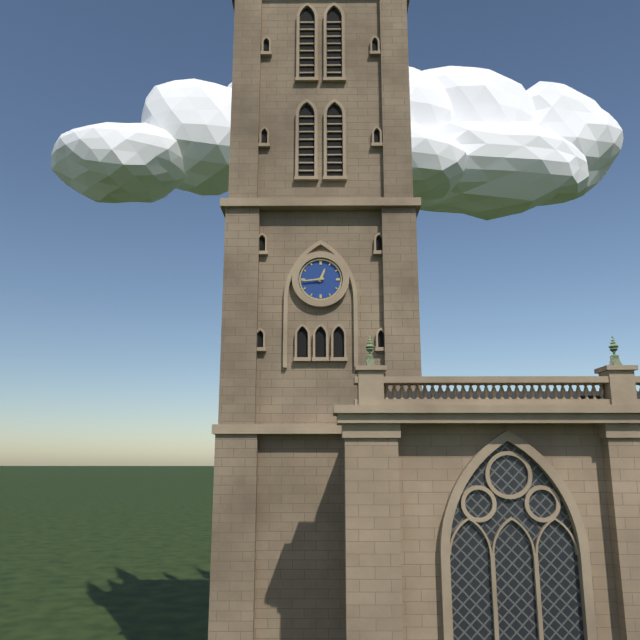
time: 12:44
